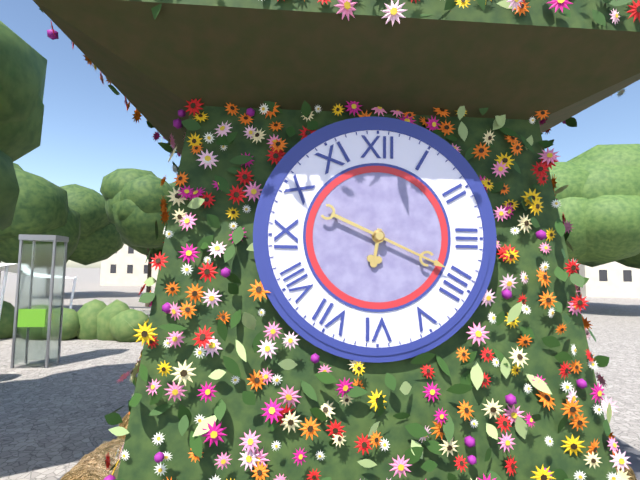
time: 6:19
